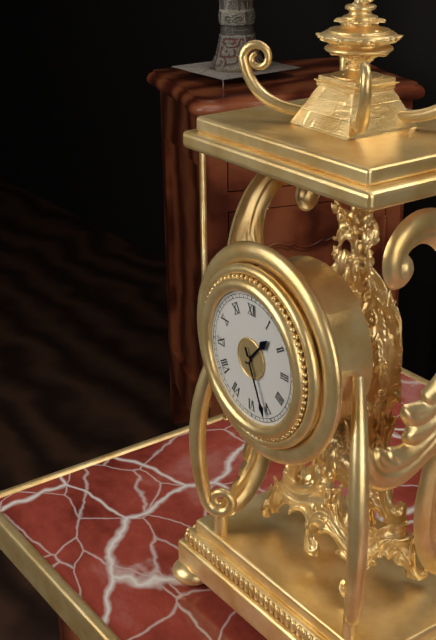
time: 1:26
